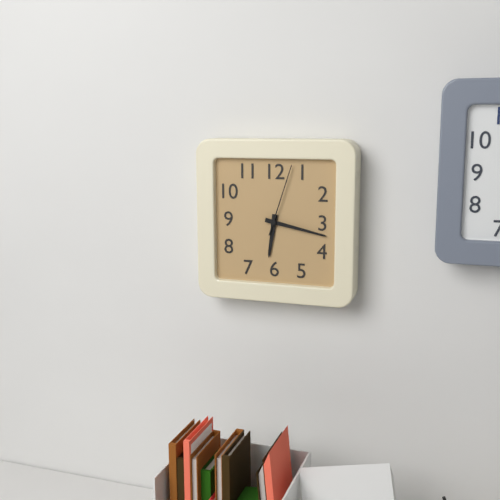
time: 6:17:03
